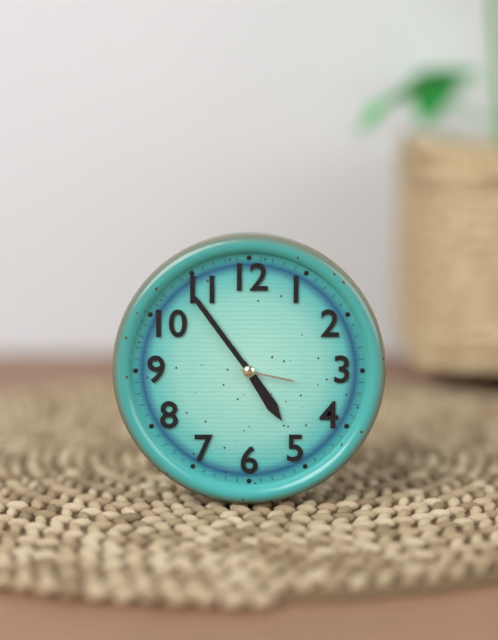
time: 4:54:17
